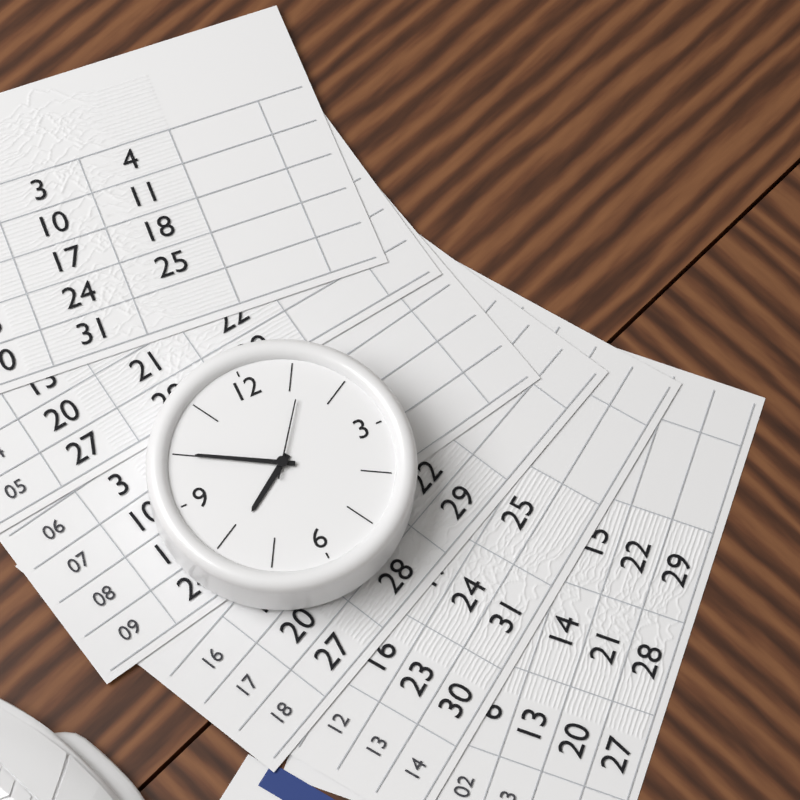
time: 7:50:06
